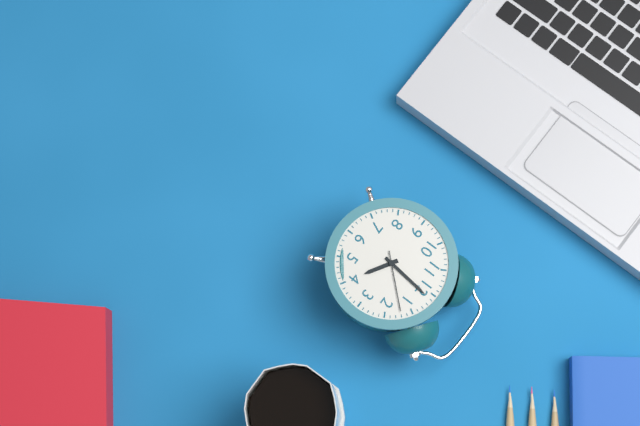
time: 4:01:07
